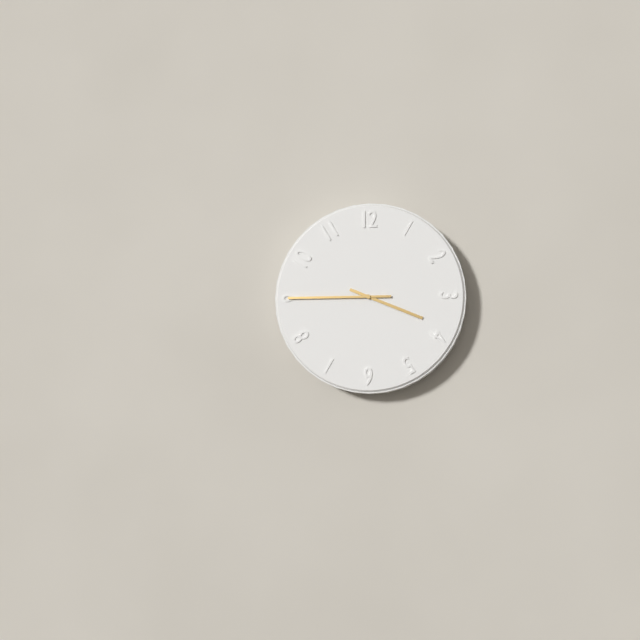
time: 3:45
